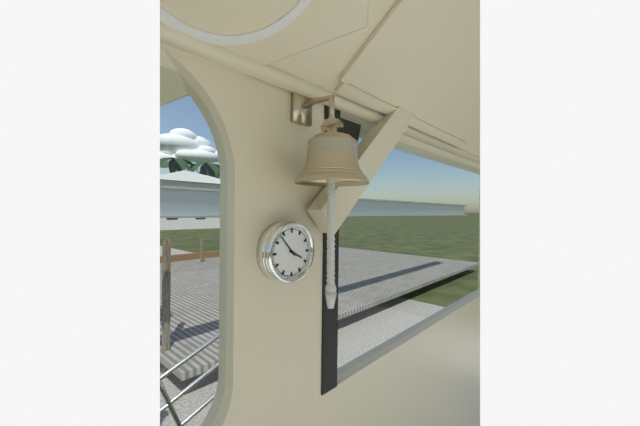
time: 3:53
